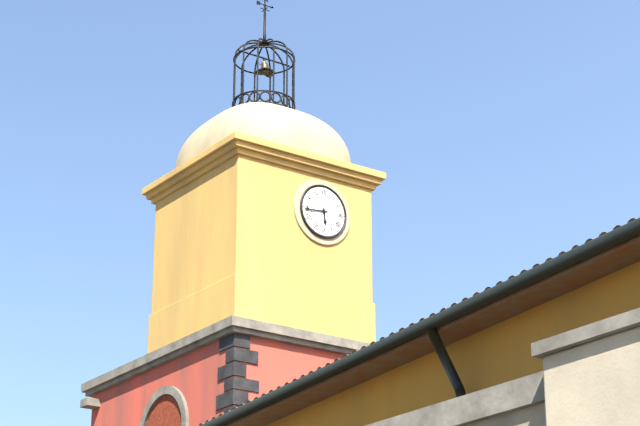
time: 5:44
